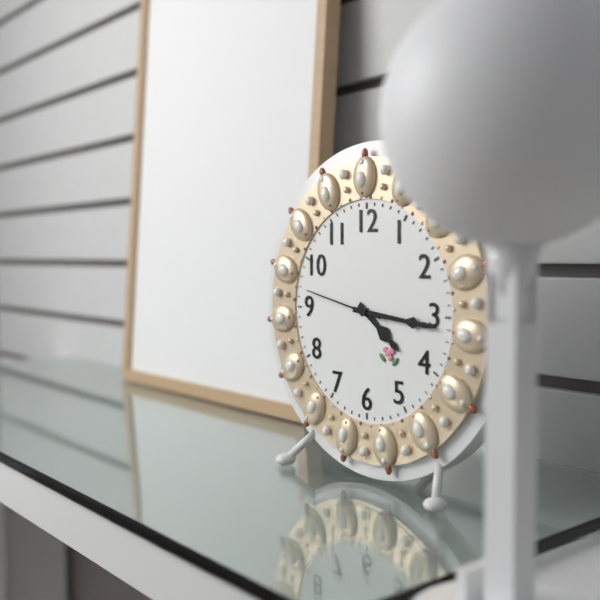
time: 4:16:47
